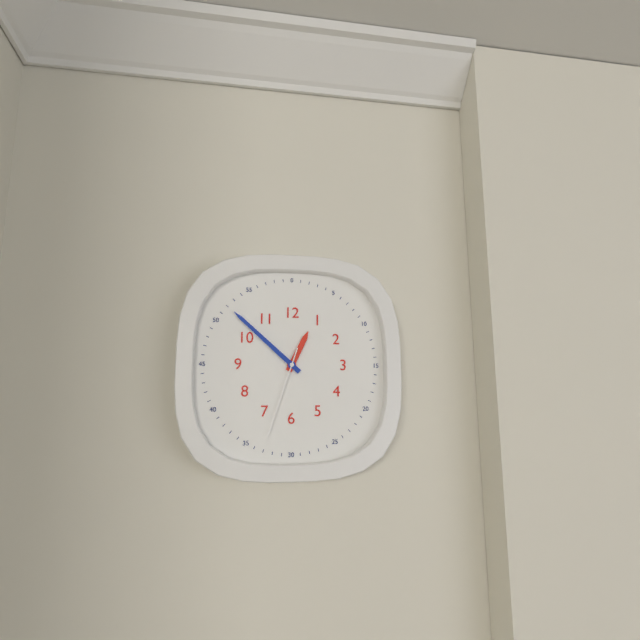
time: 12:52:33
